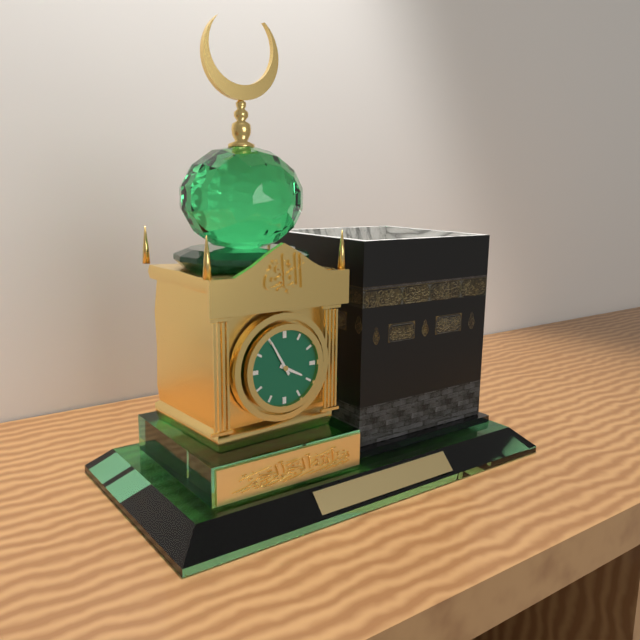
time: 3:55
